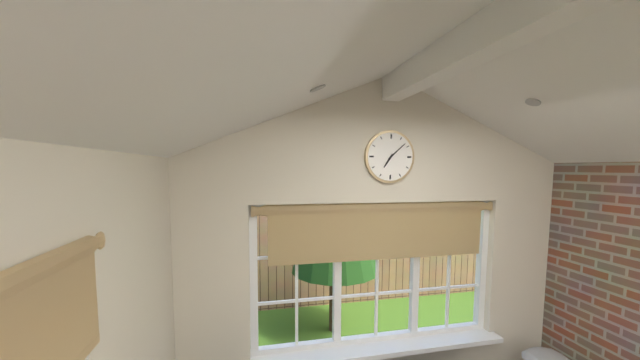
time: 7:08
